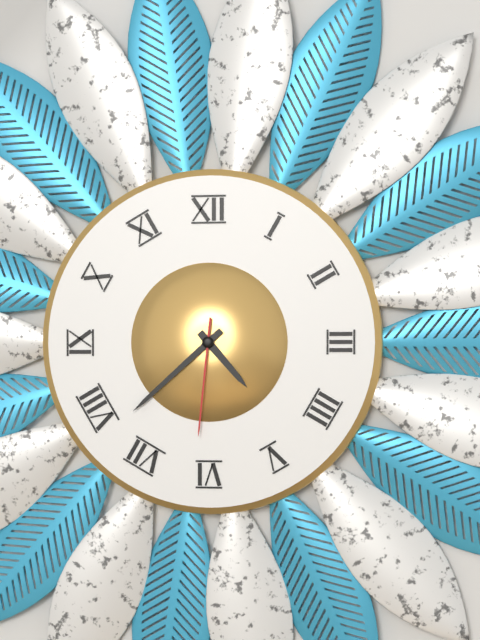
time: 4:38:31
